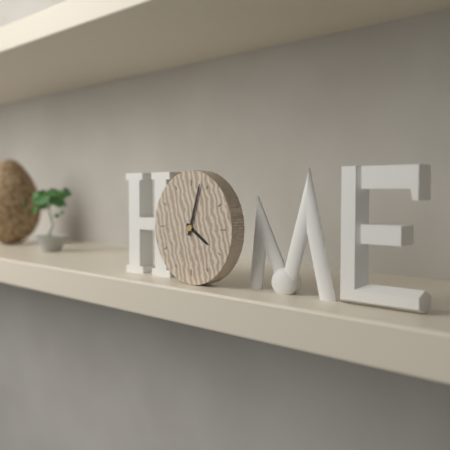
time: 4:03
